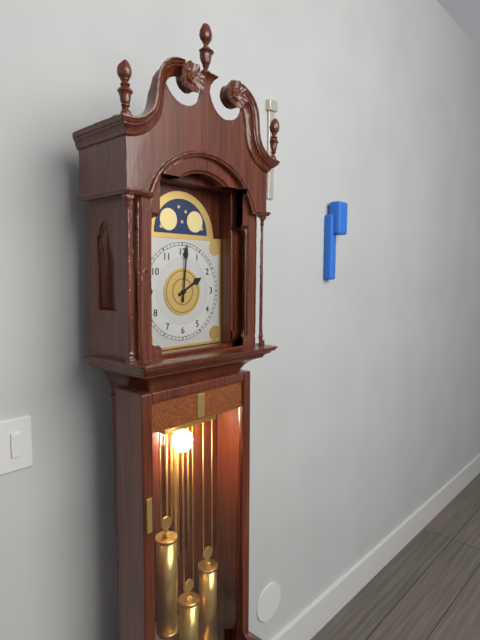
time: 2:01
